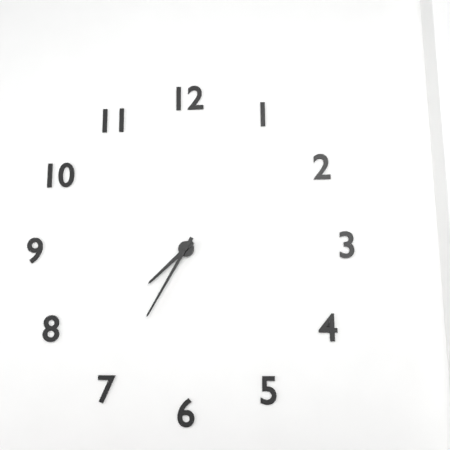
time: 7:35
